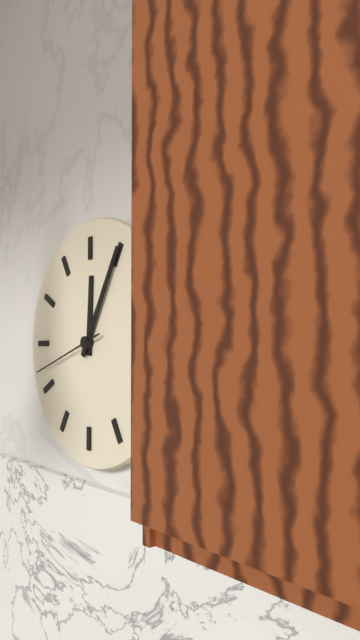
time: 12:05:42
